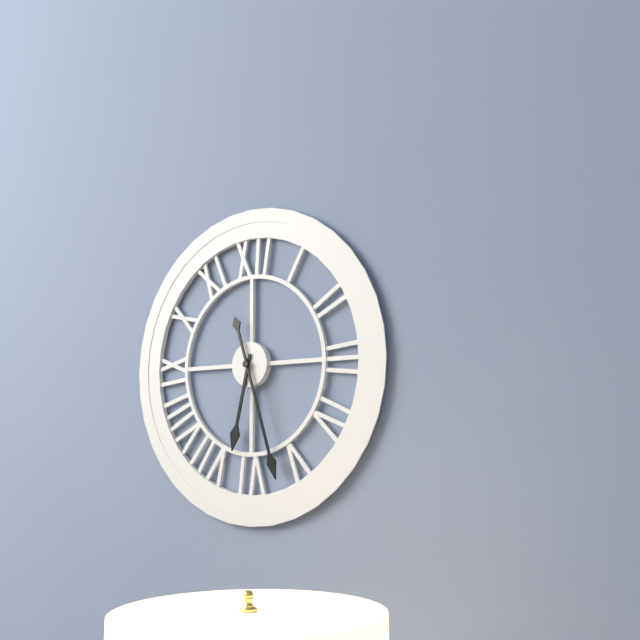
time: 6:27
